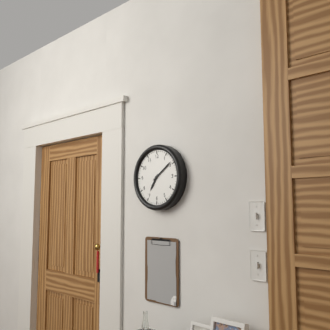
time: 7:09
